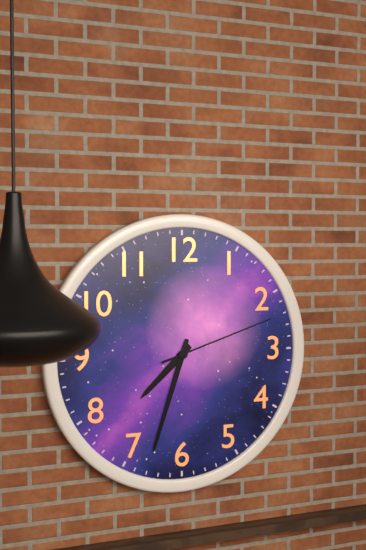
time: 7:33:12
